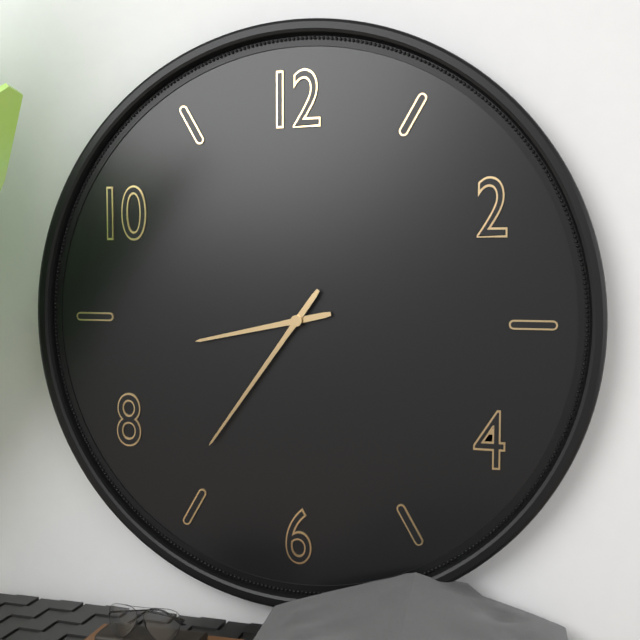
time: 8:36
